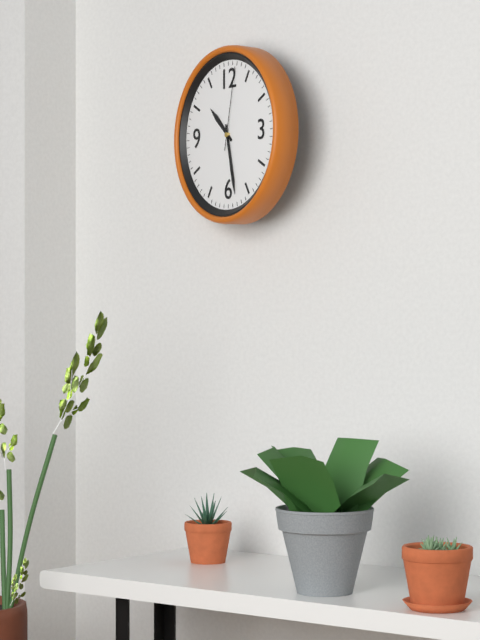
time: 10:28:02
